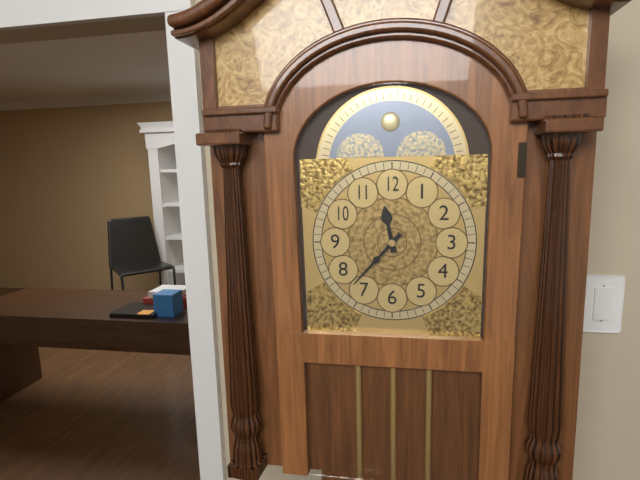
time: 11:37
